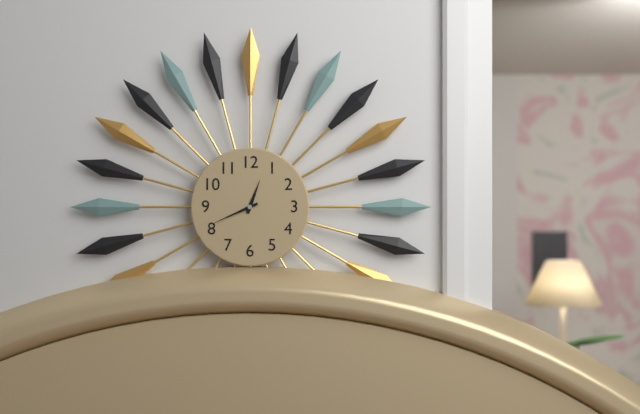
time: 12:41
